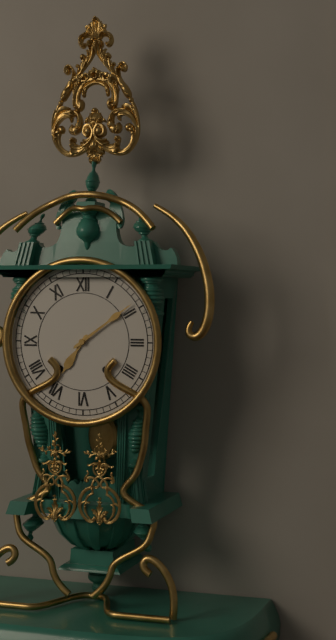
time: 7:09
